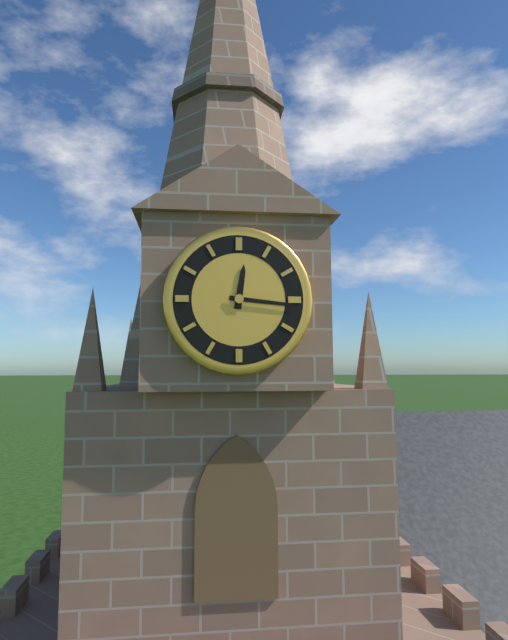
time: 12:16
